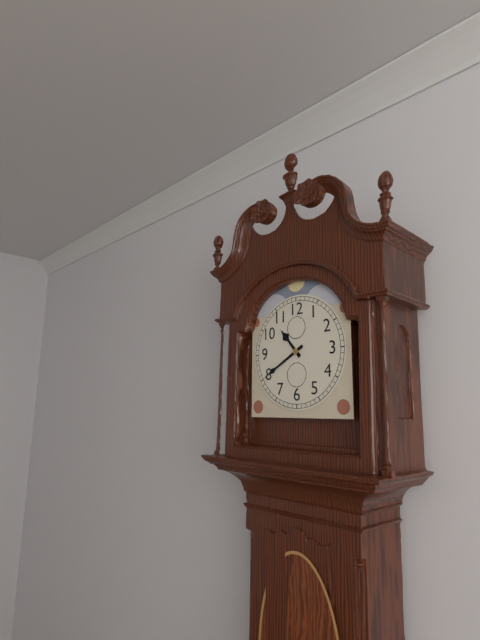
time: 10:40
